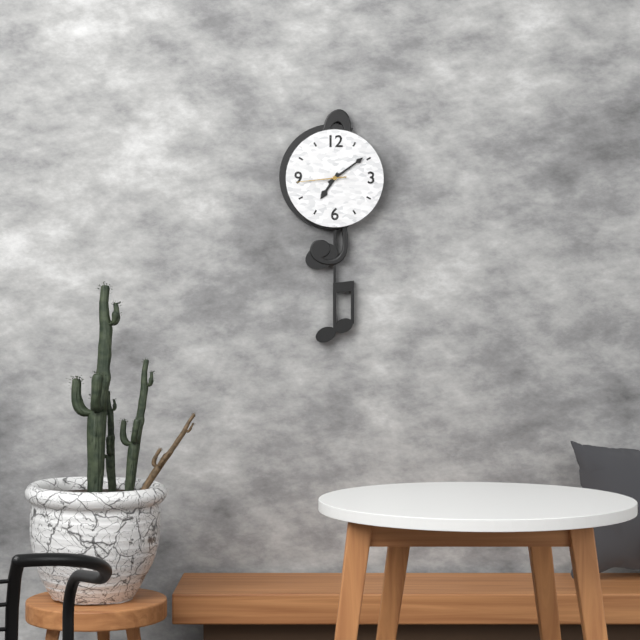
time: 7:09
